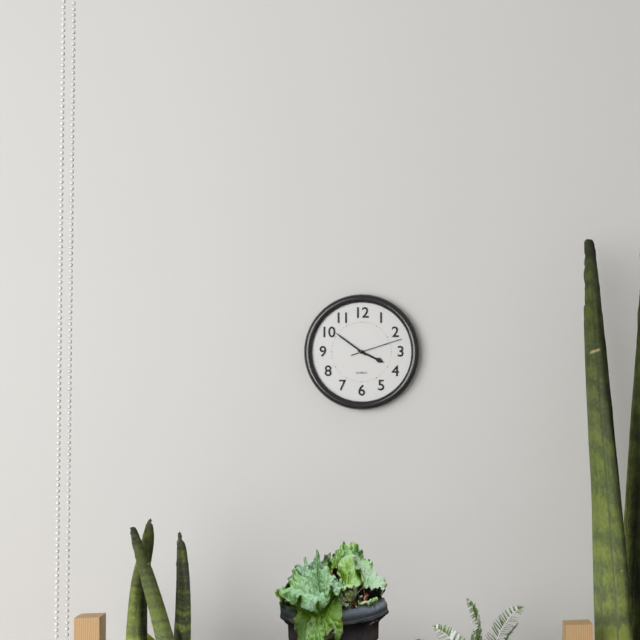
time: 3:51:12
